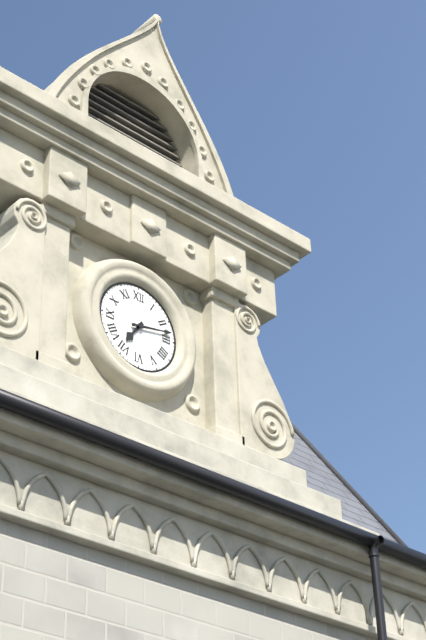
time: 7:13
